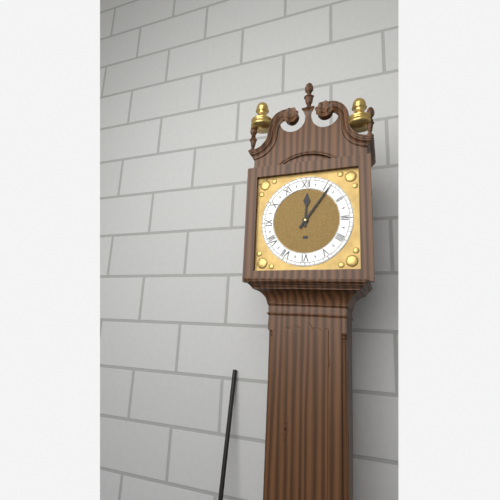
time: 12:06
